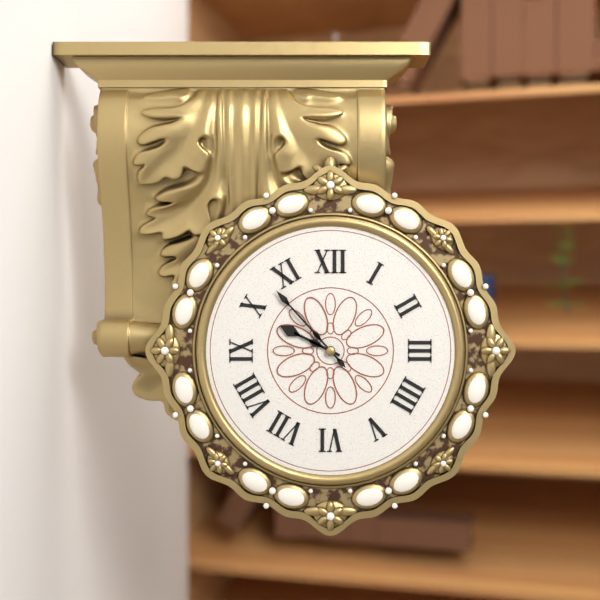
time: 9:53
